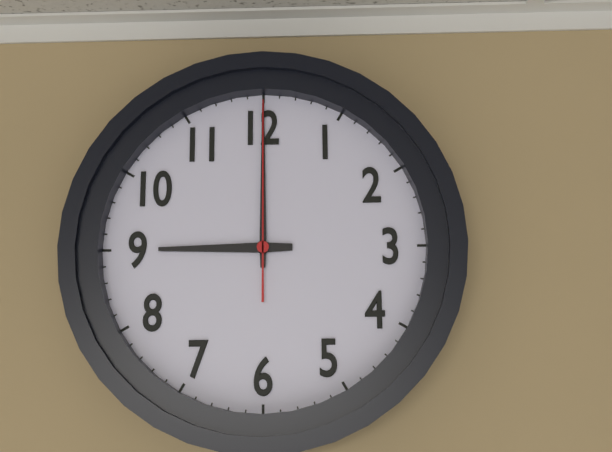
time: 9:00:00
